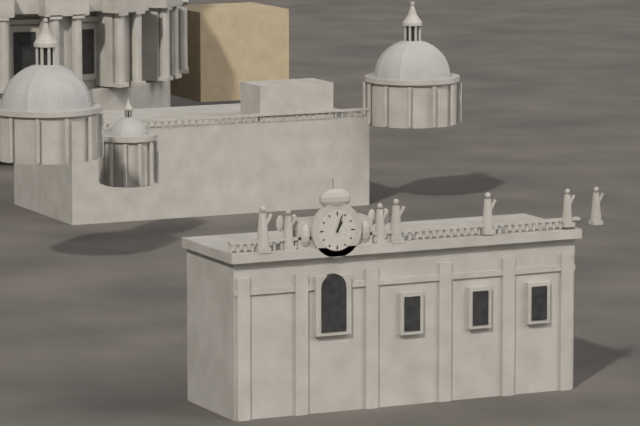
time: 1:03
